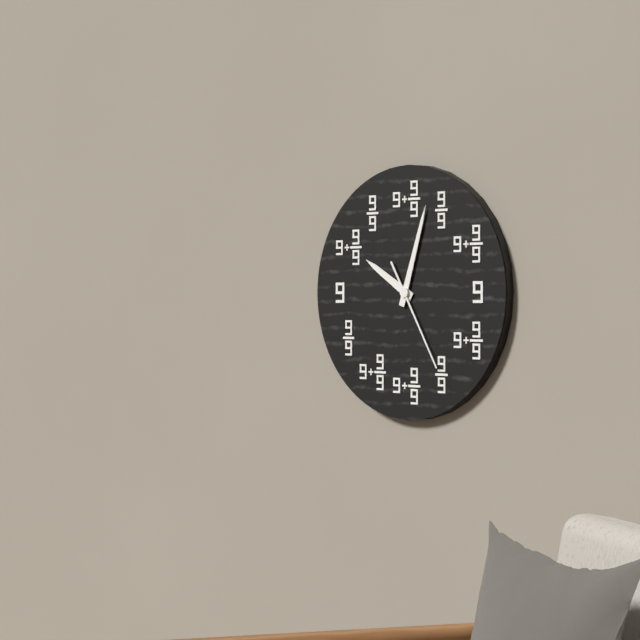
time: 10:03:25
